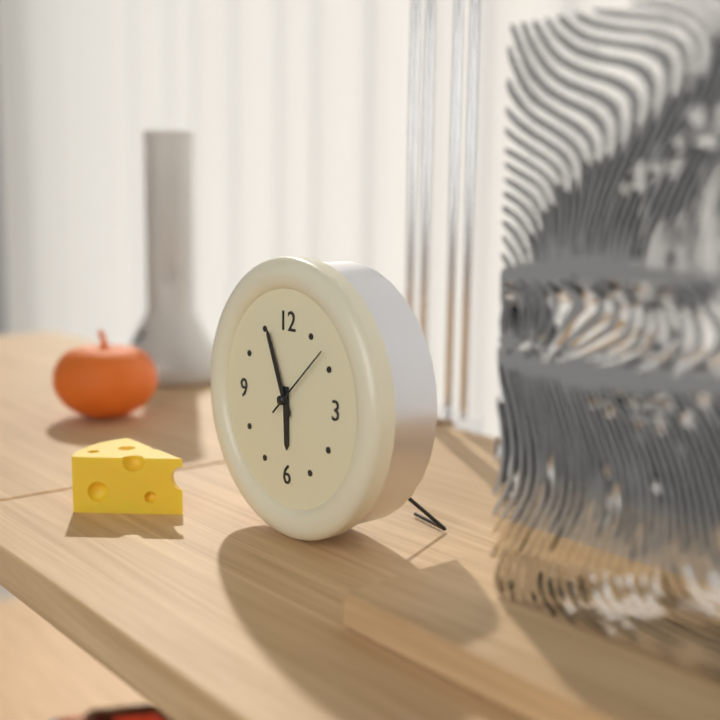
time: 5:56:08
